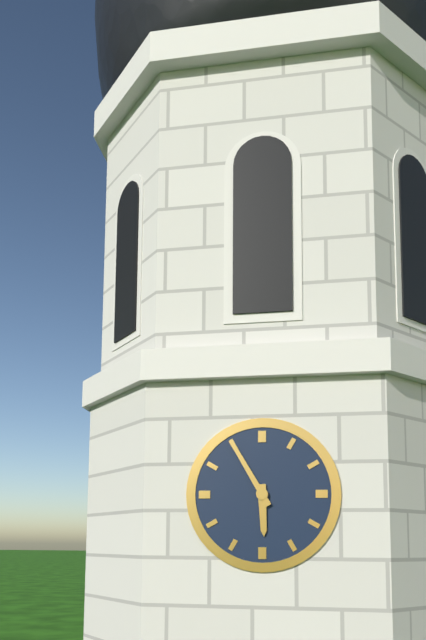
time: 5:55
